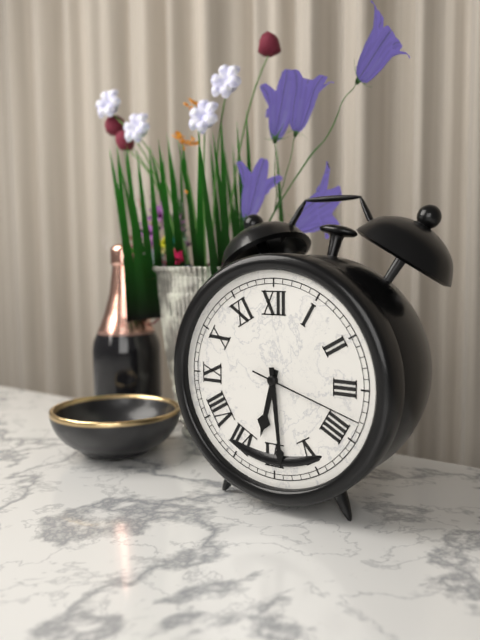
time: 6:29:18
